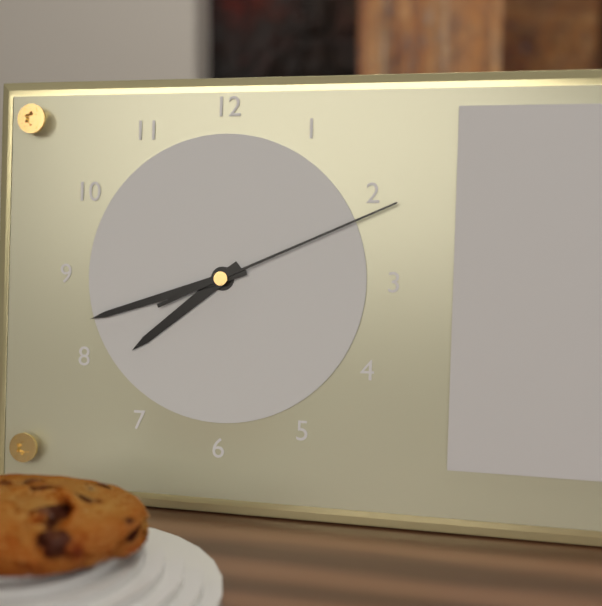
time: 7:42:11
